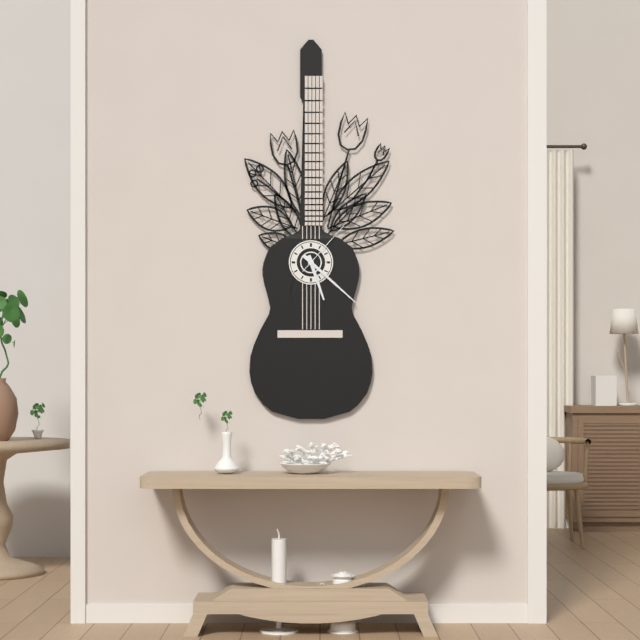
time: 5:22:07
